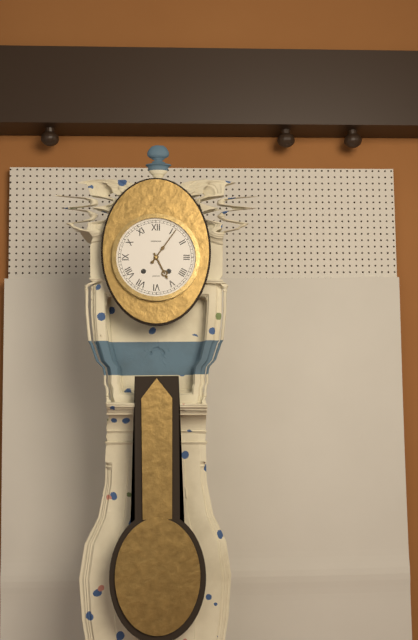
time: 5:06
